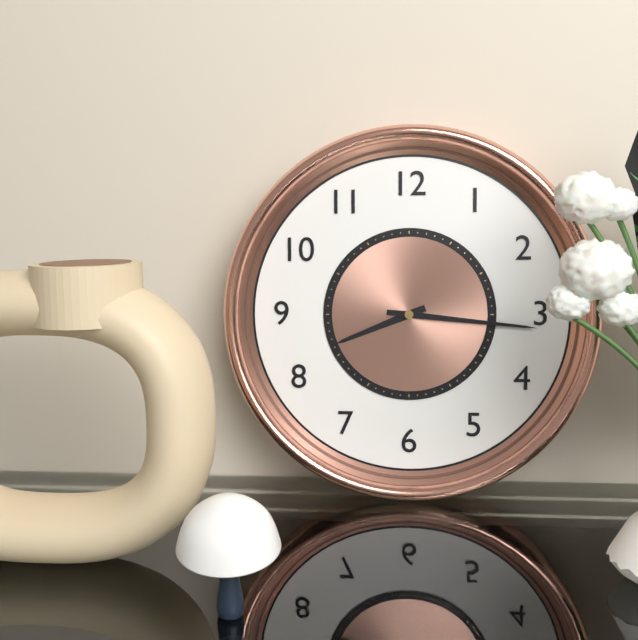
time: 8:16
